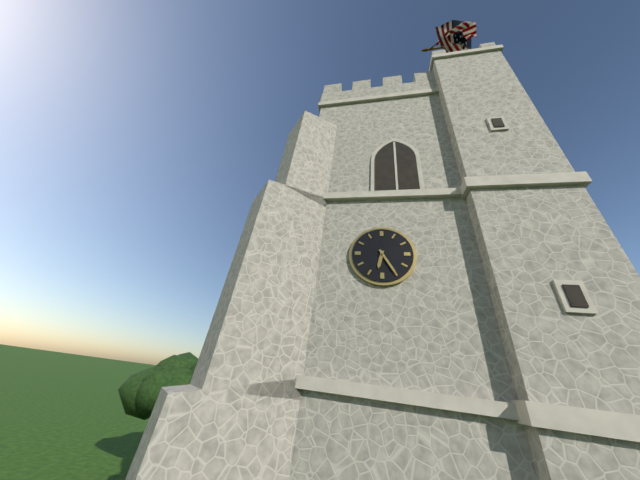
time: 6:25
